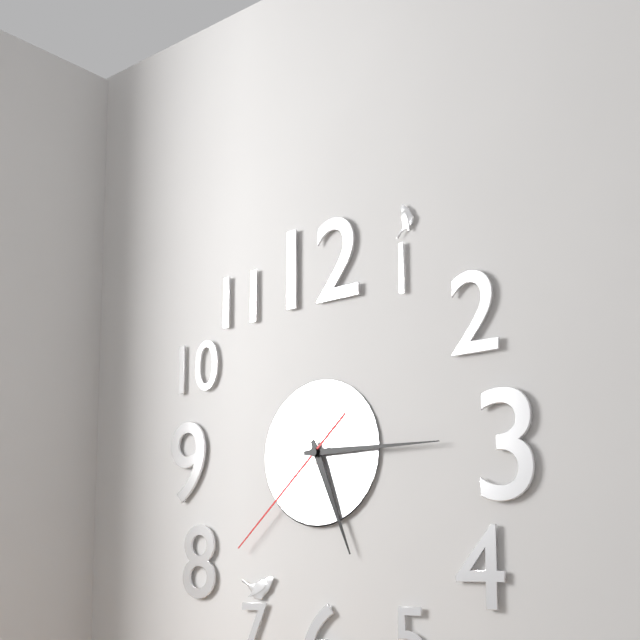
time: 5:15:38
